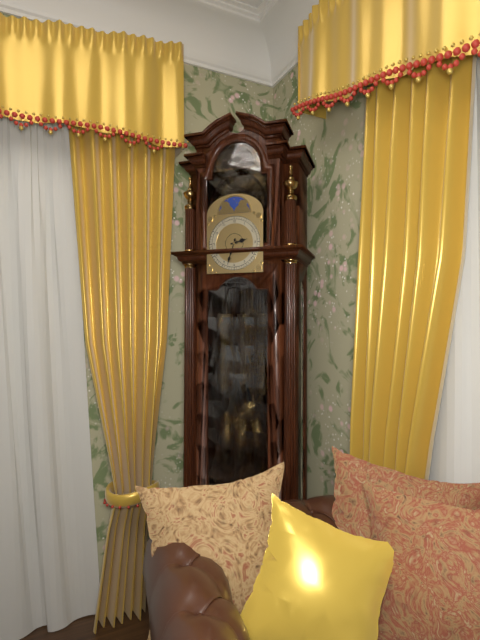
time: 2:33
